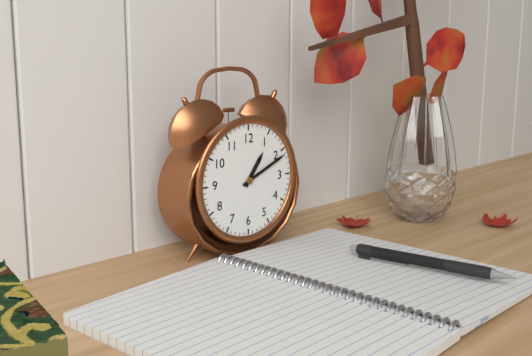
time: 1:11
